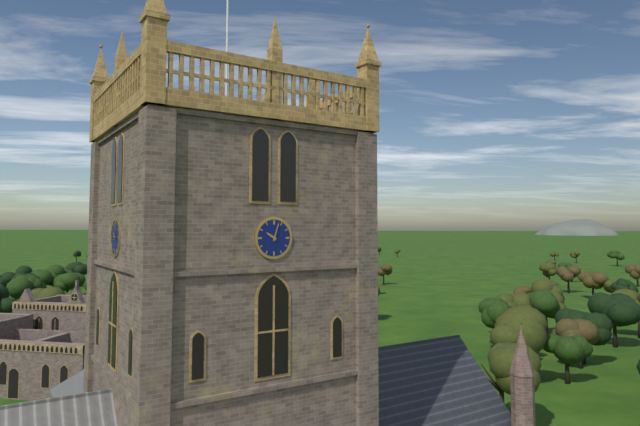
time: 10:03
